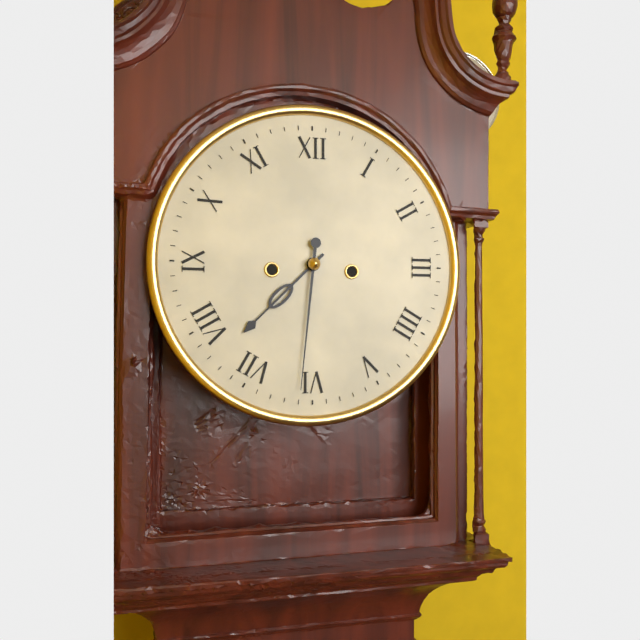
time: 7:31
